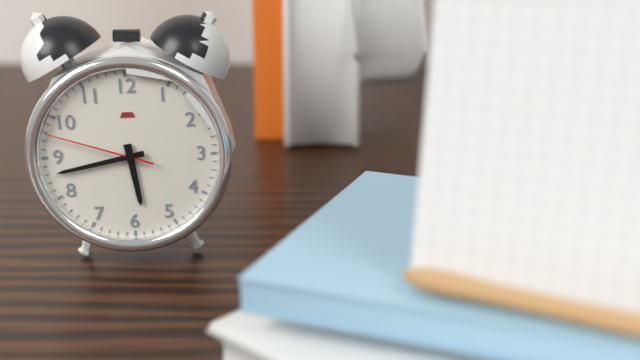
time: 5:43:48
